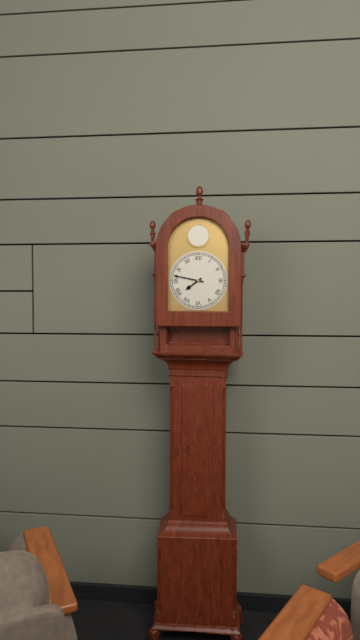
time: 7:47
